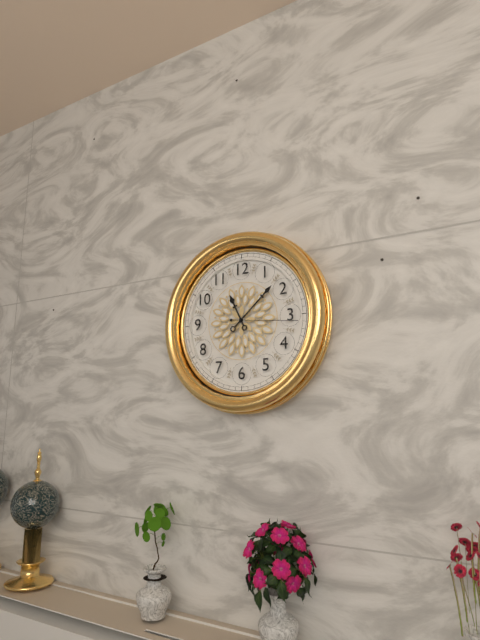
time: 11:08:16
